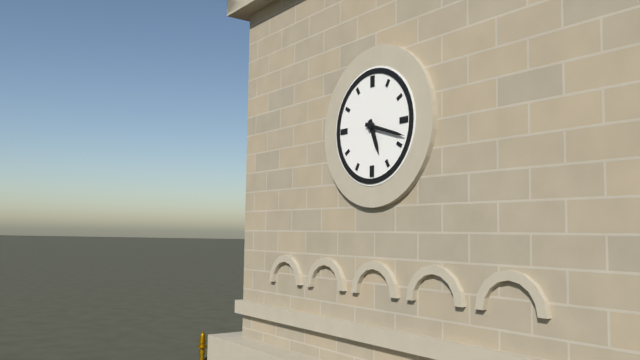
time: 5:18
